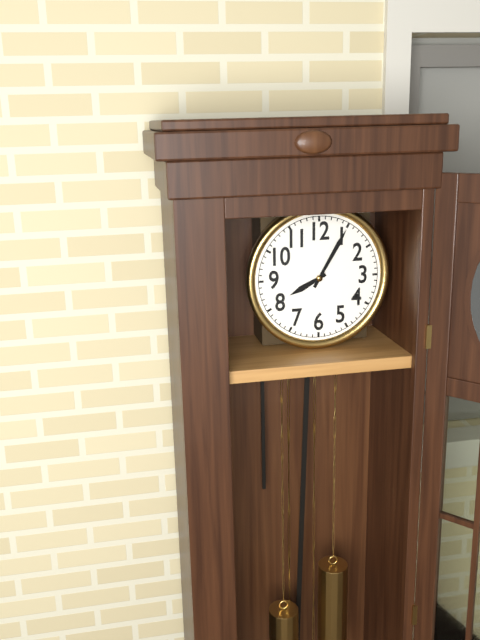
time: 8:05
